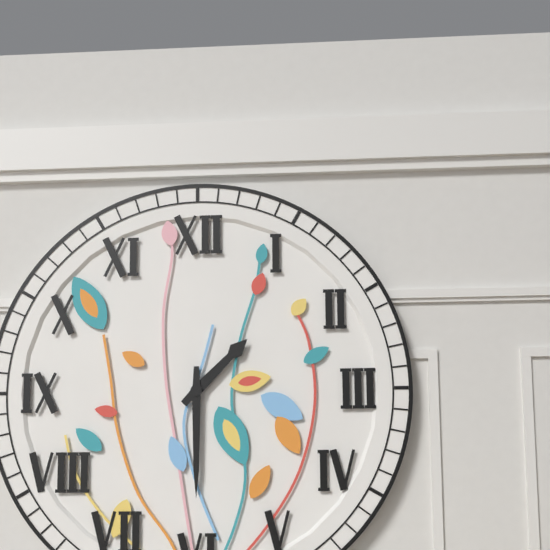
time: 1:30
